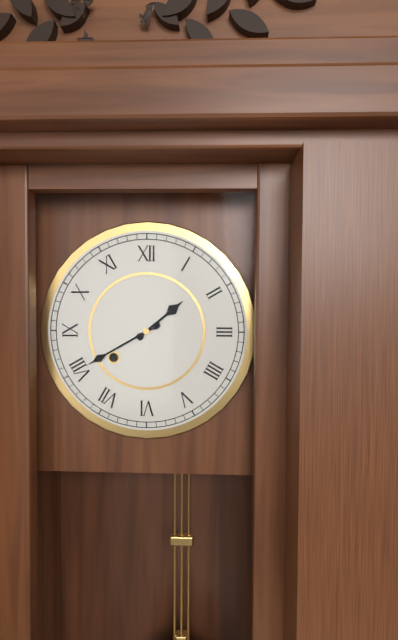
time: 1:40
